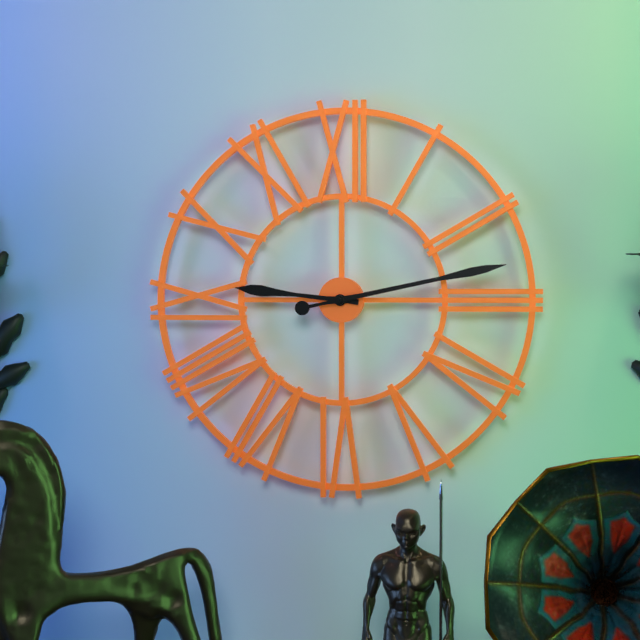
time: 9:13
